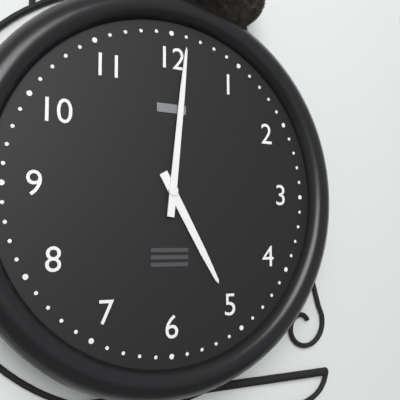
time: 5:01
